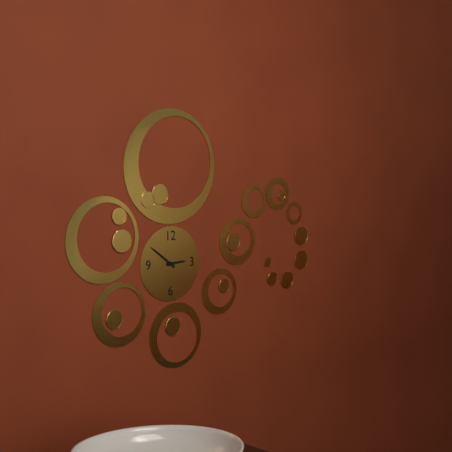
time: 2:51
